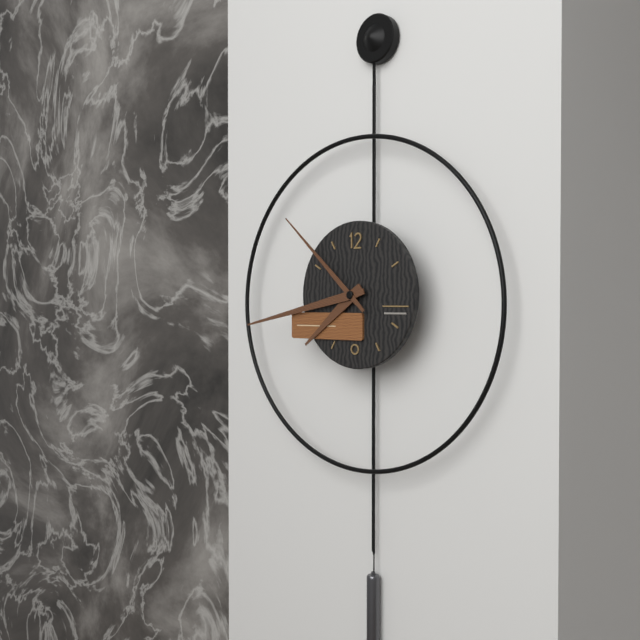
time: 7:43:52
